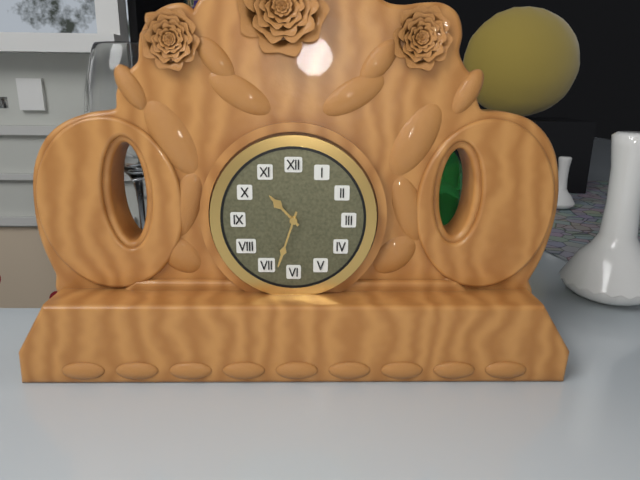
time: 10:33
